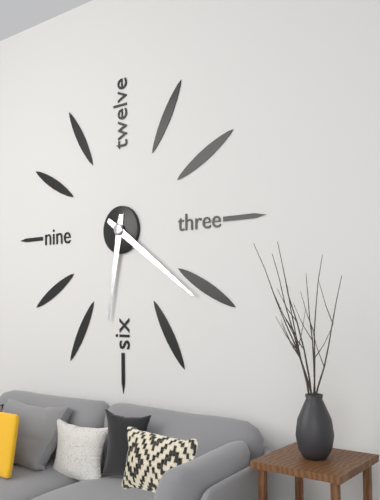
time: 6:21
